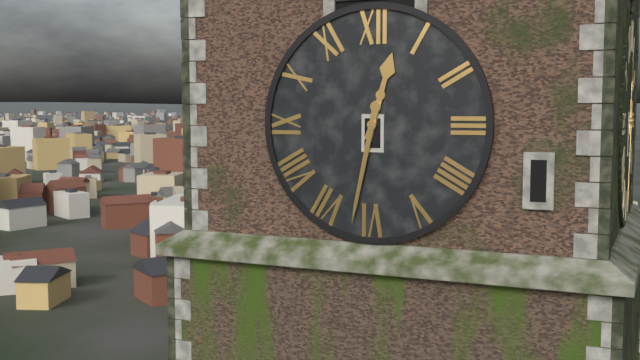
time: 12:32
